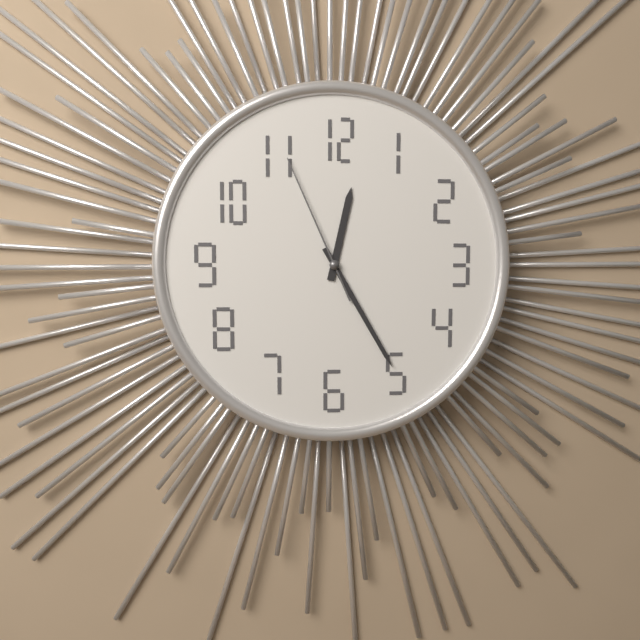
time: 12:25:56
